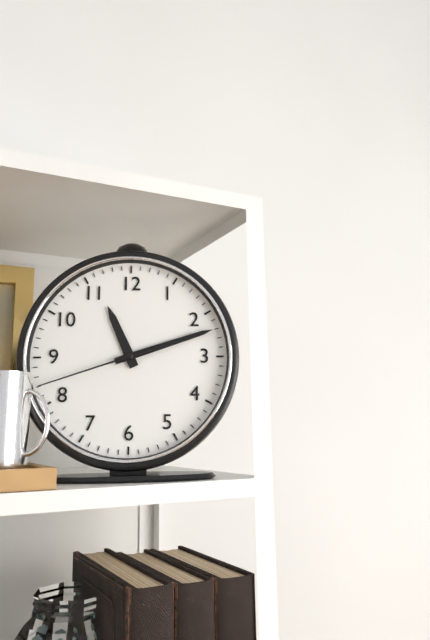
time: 11:12:42
